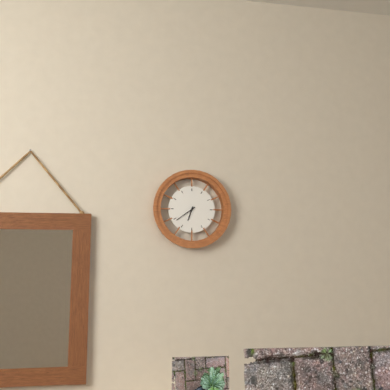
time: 6:39
